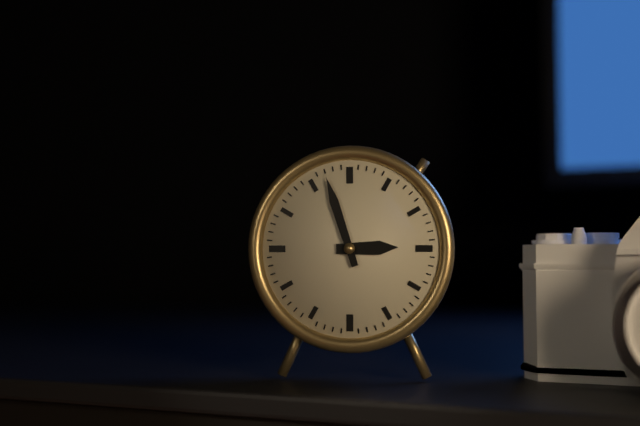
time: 2:57
